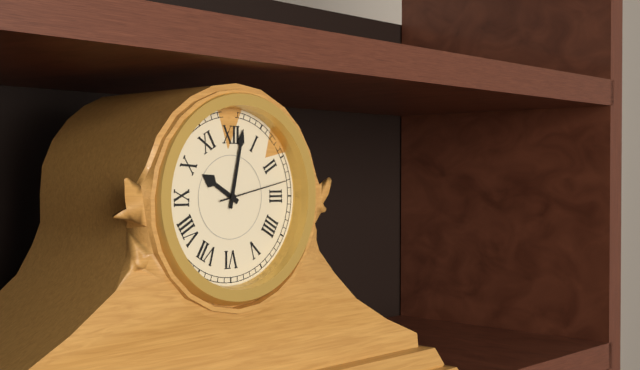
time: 10:02:13
